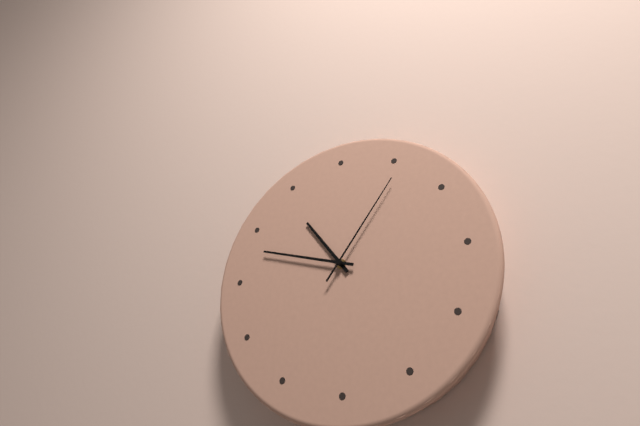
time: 10:48:06
